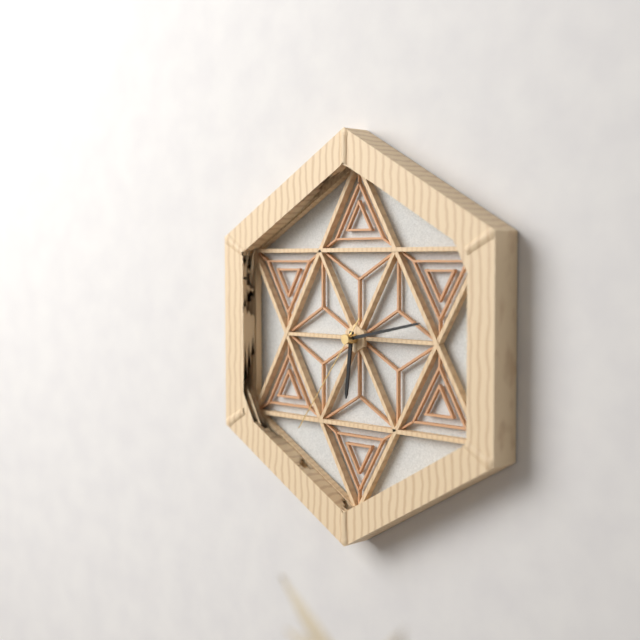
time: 6:13:36
